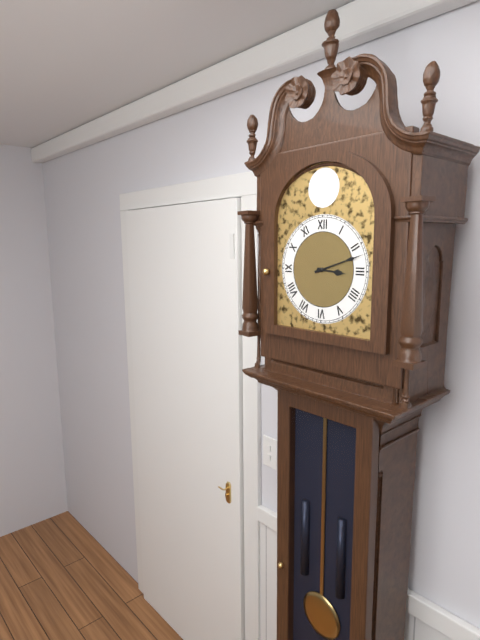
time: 3:12
